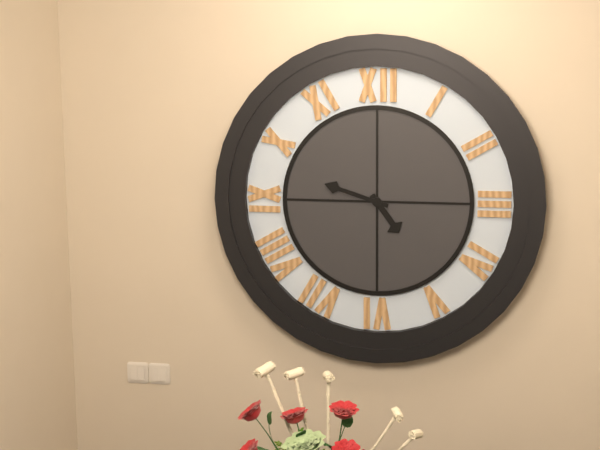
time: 4:48
